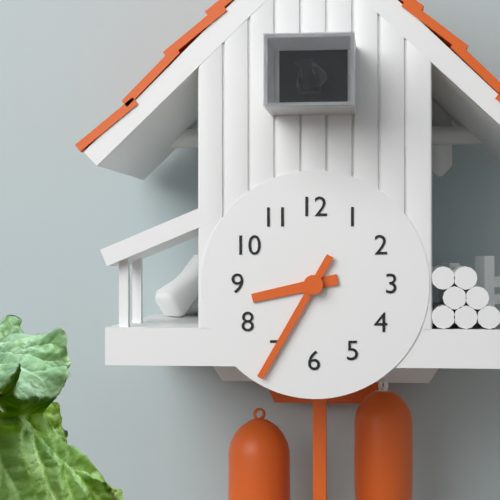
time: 8:35
